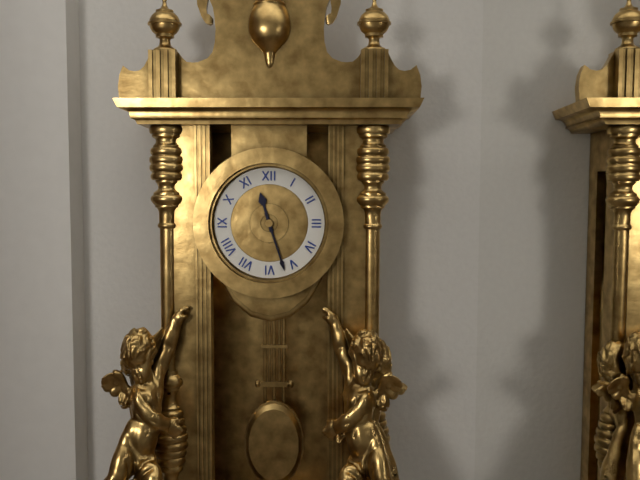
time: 11:27
